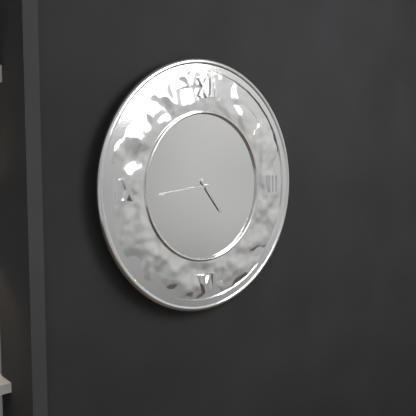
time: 4:44
